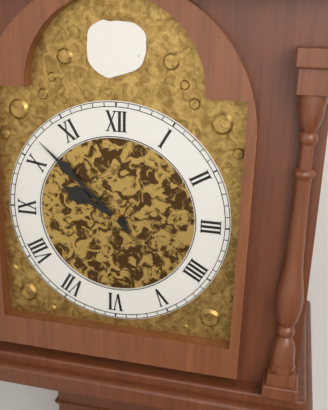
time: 9:52
